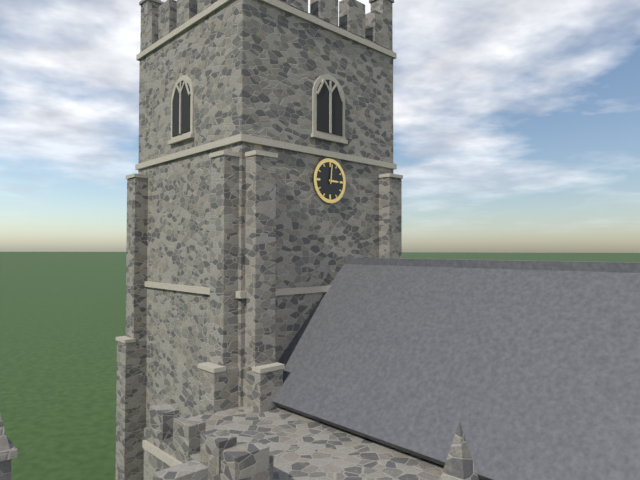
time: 3:01
